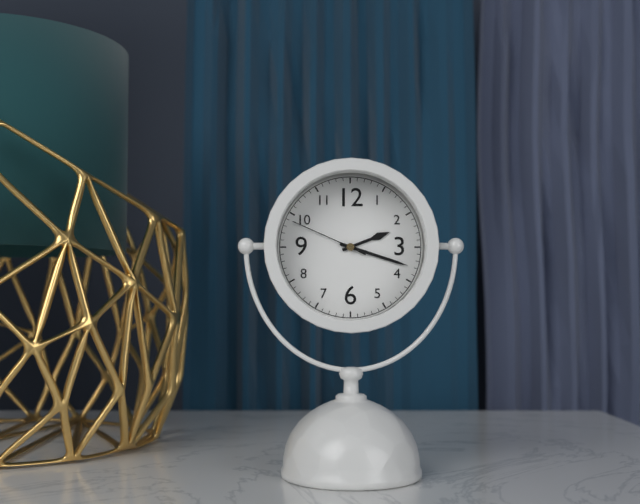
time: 2:18:49
